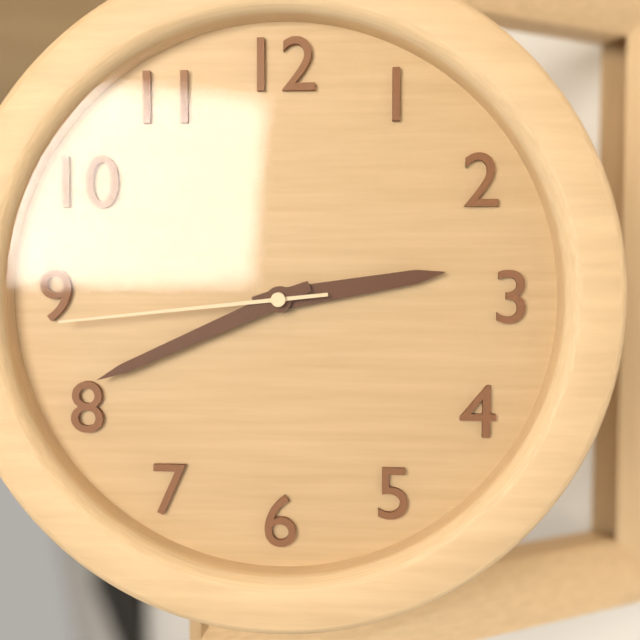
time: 2:41:44
